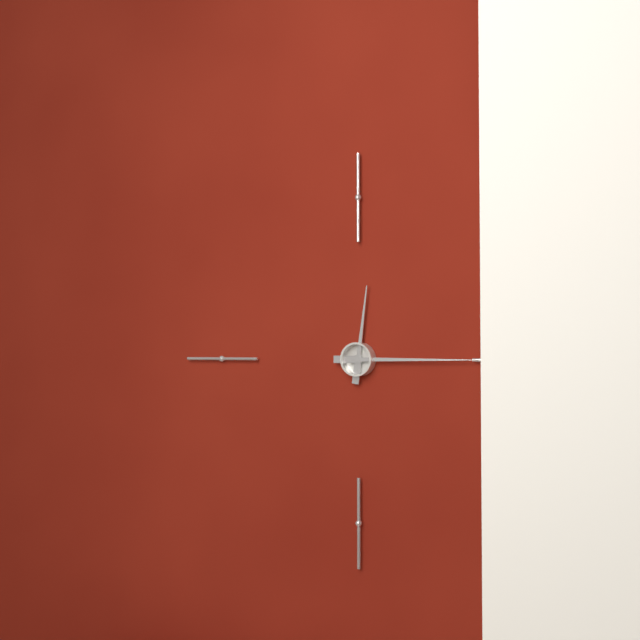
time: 12:15
